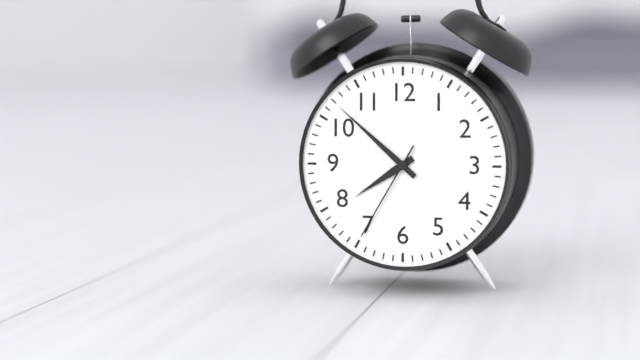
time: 7:52:35
